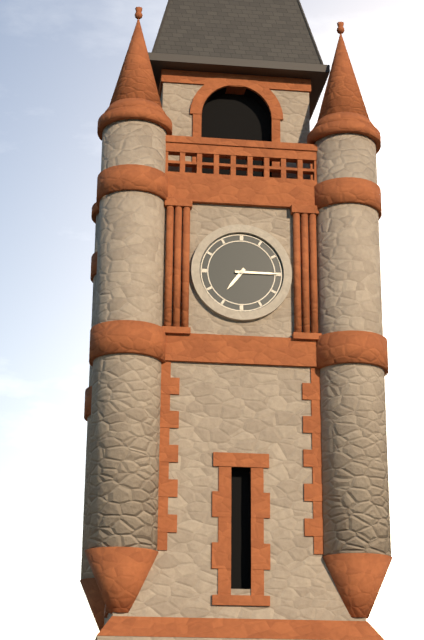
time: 7:15
